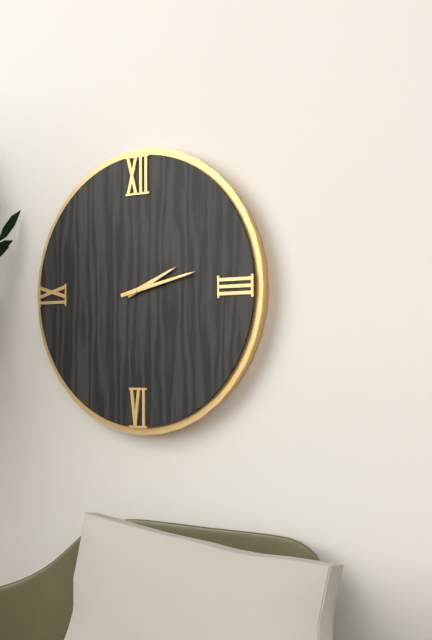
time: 2:13
